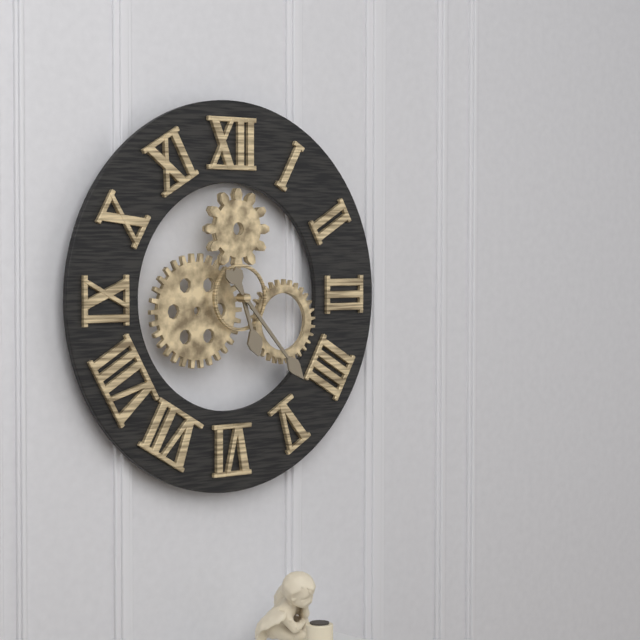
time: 5:23
